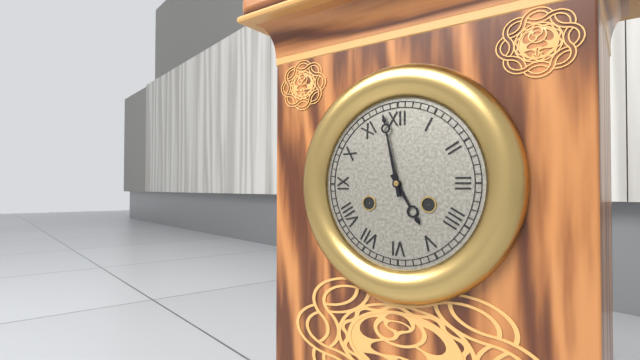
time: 4:58
